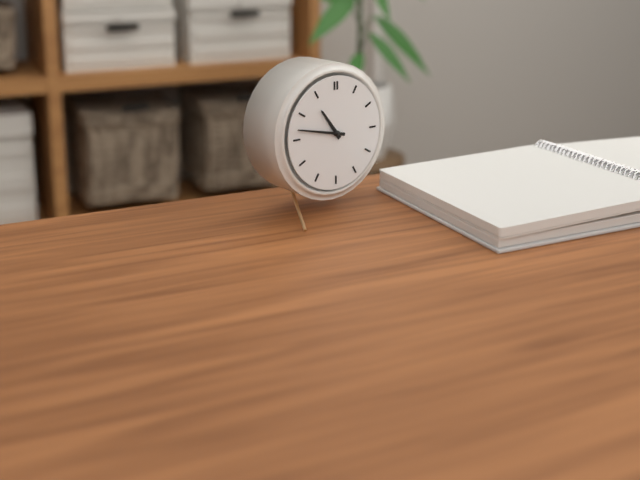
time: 10:47
